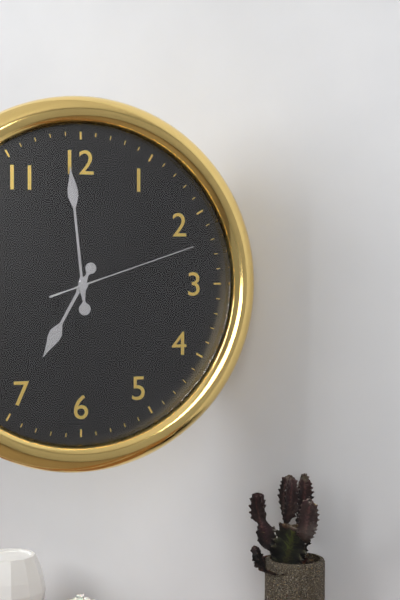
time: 6:59:12
